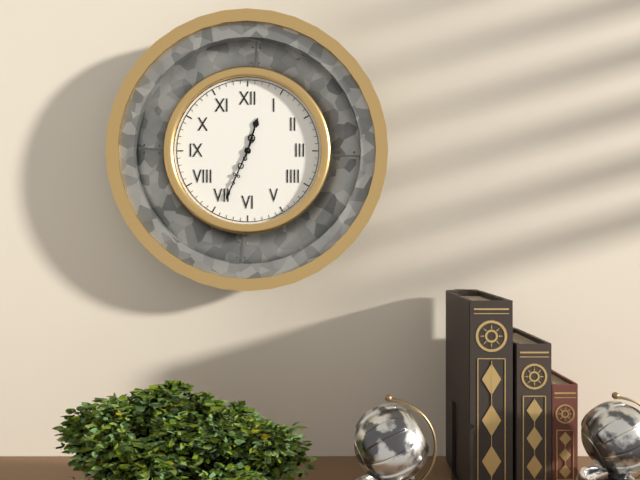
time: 12:34
